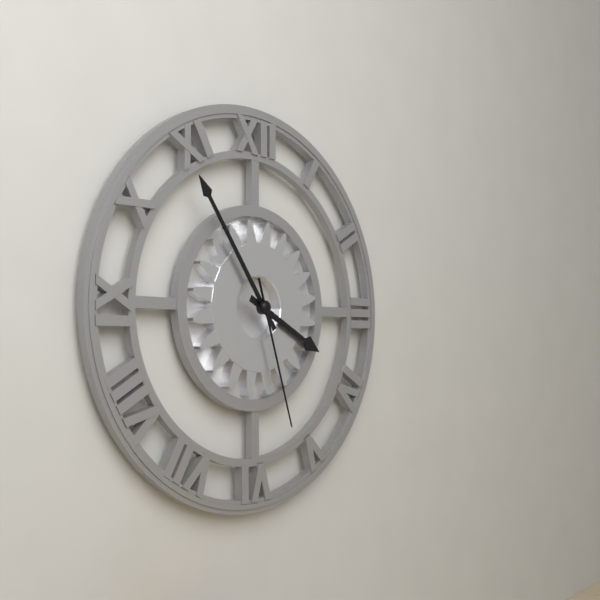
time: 3:54:27
